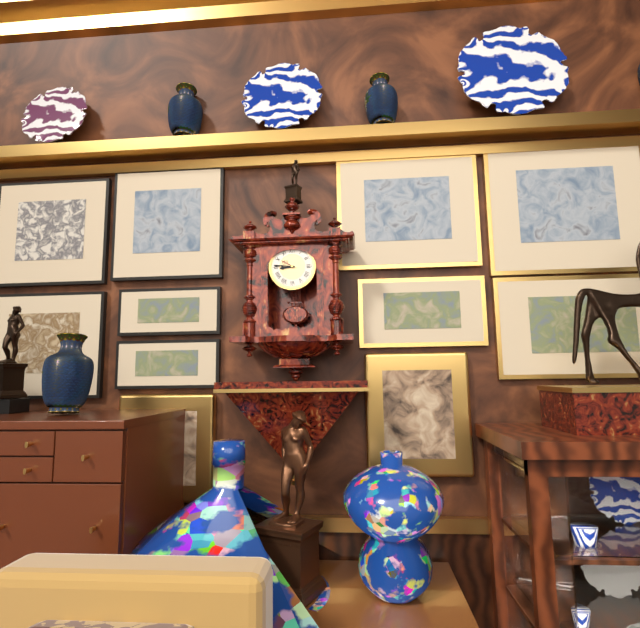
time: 8:46
